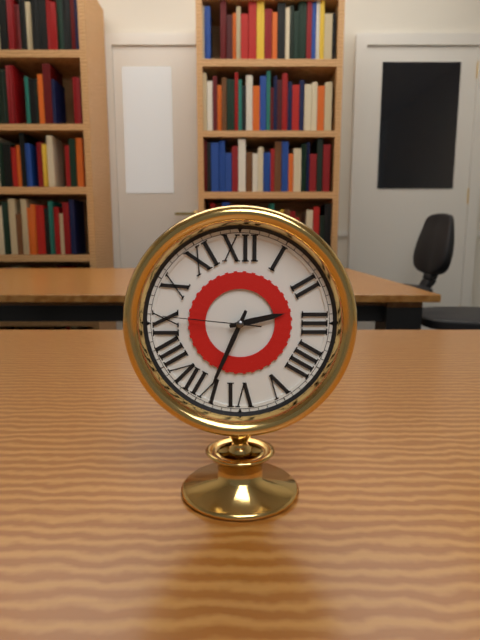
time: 2:34:46
